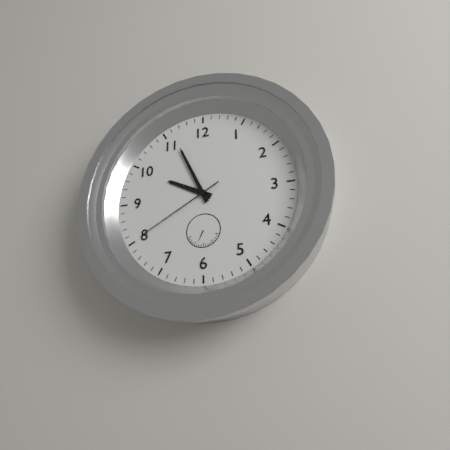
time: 9:56:40
